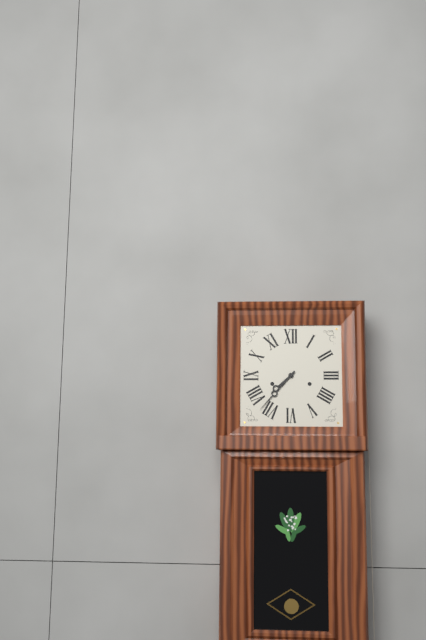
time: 7:37
